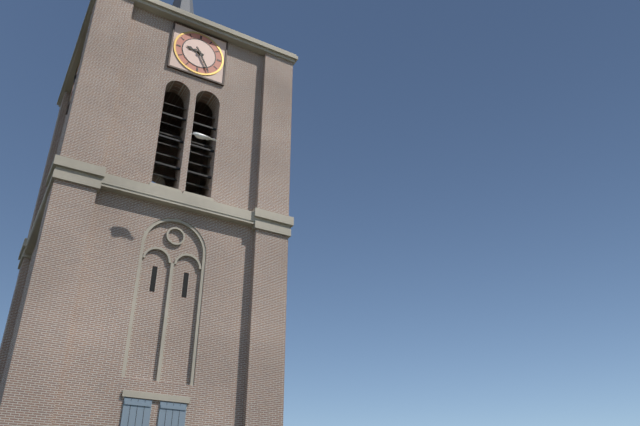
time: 9:25
